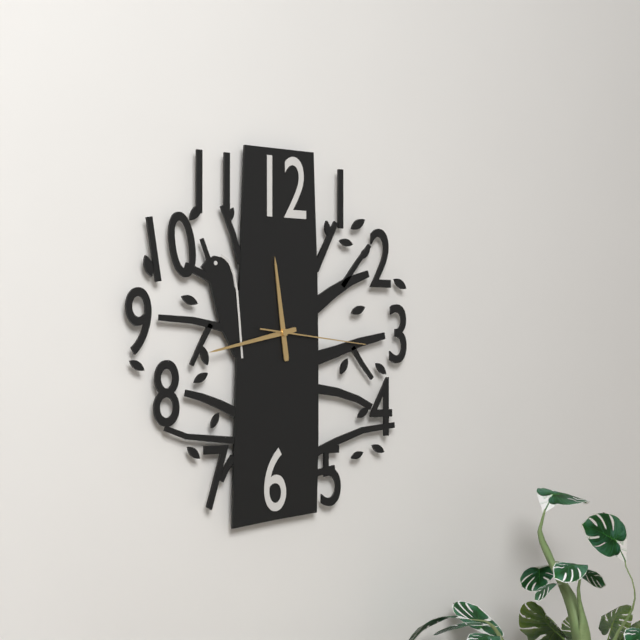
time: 11:43:16
